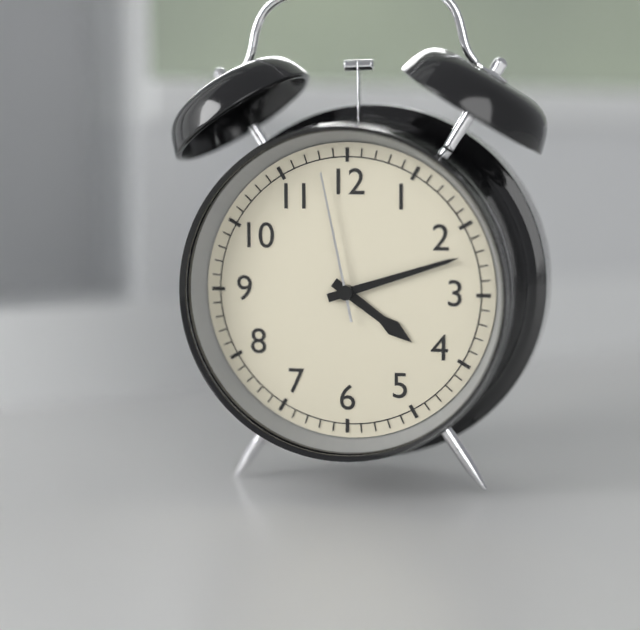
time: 4:12:58
